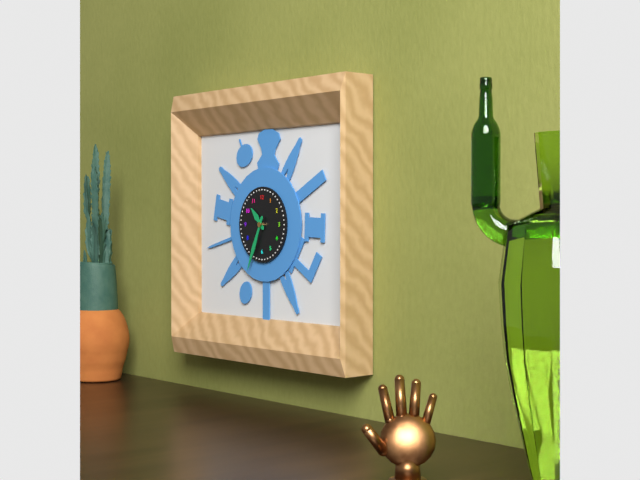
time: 10:34
